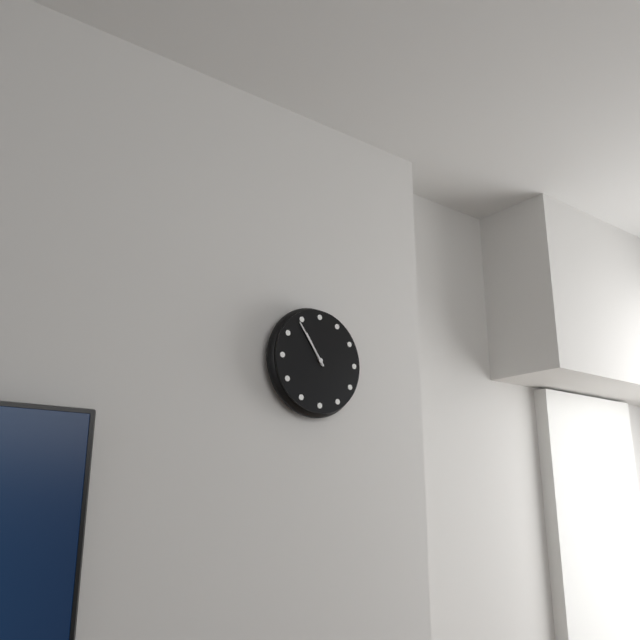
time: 10:54
